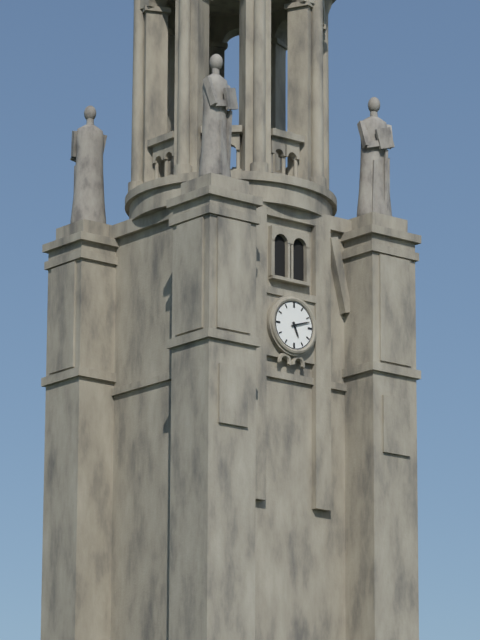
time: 5:12
